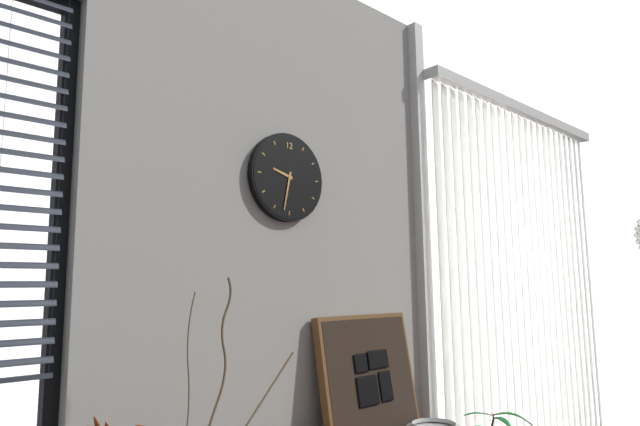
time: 9:32
